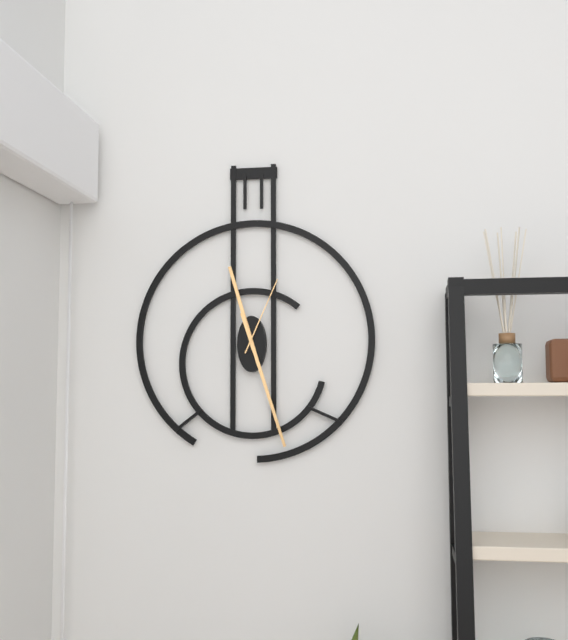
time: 11:27:04
